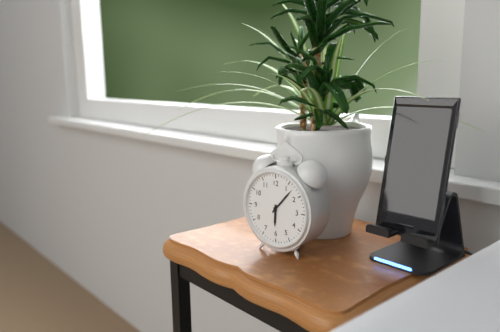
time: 6:07
